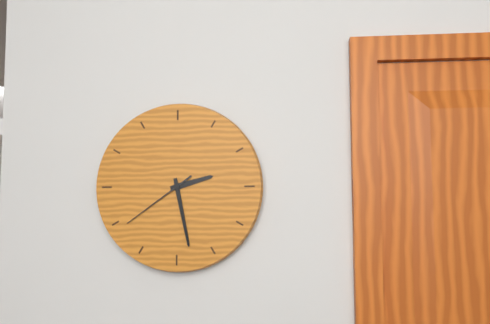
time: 2:28:39
